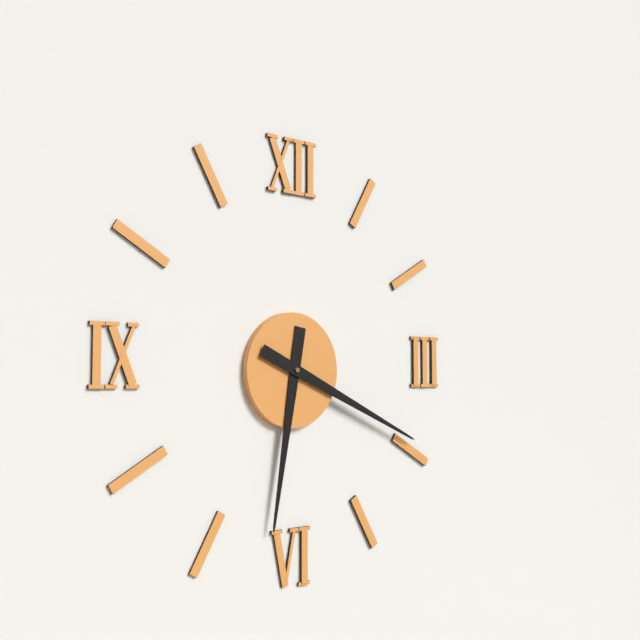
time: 6:19
